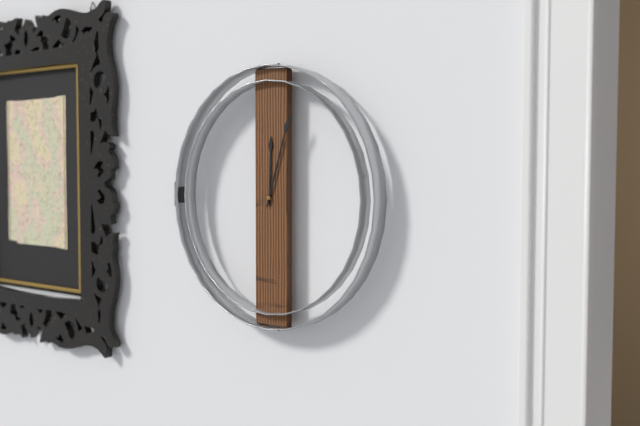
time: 12:03
